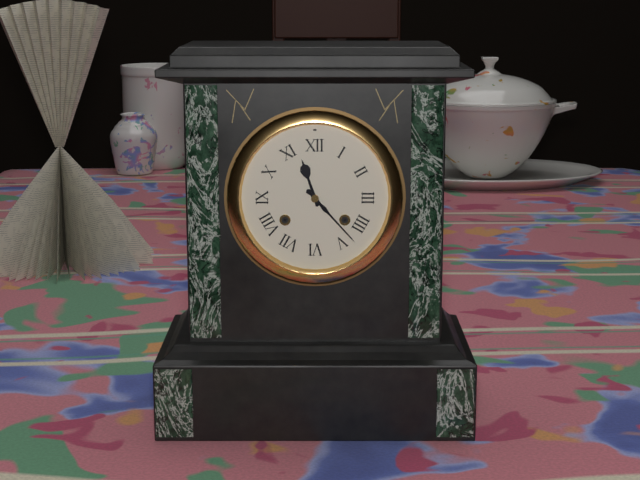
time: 11:23
